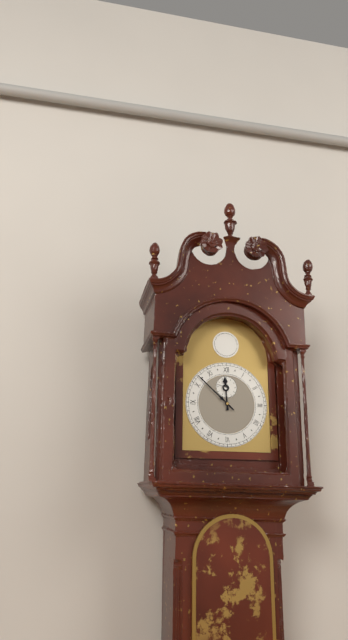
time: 11:52
